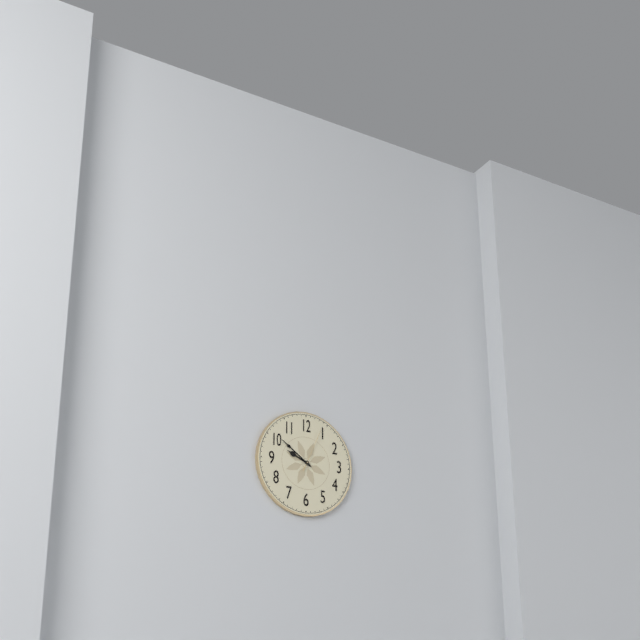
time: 9:51
